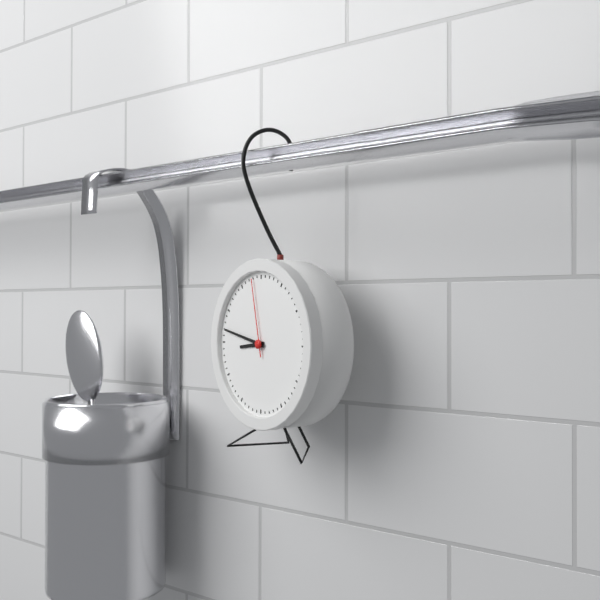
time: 8:47:58
